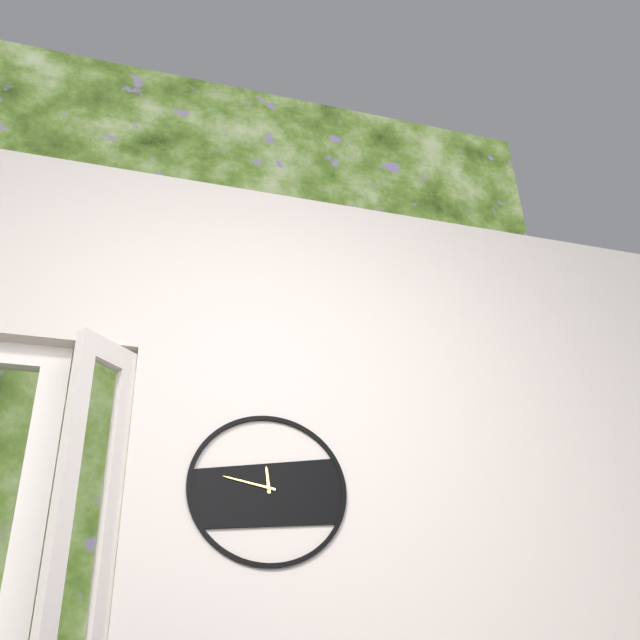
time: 11:47
